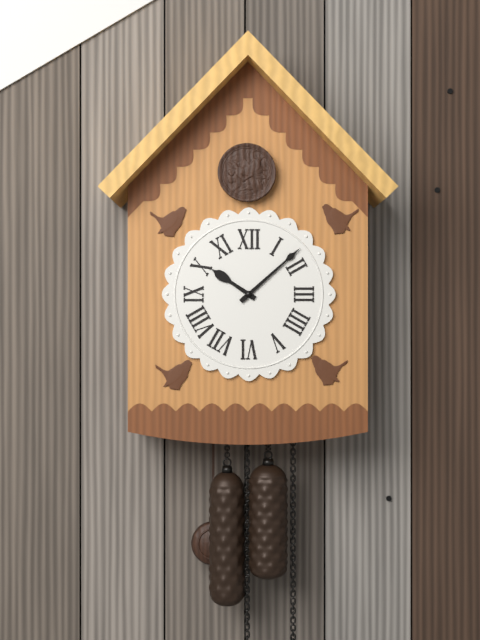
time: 10:08
